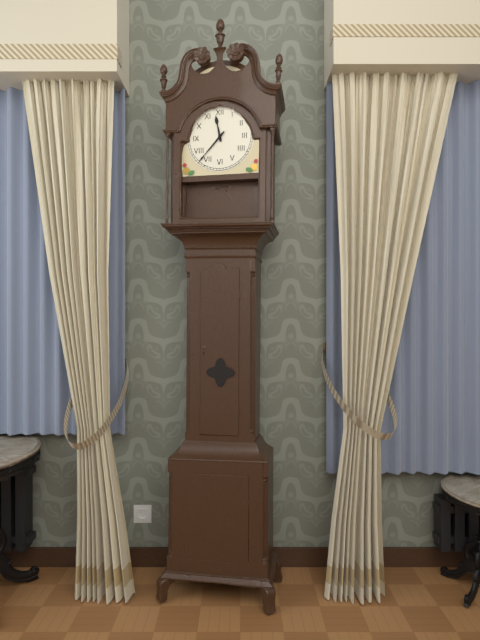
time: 11:37
